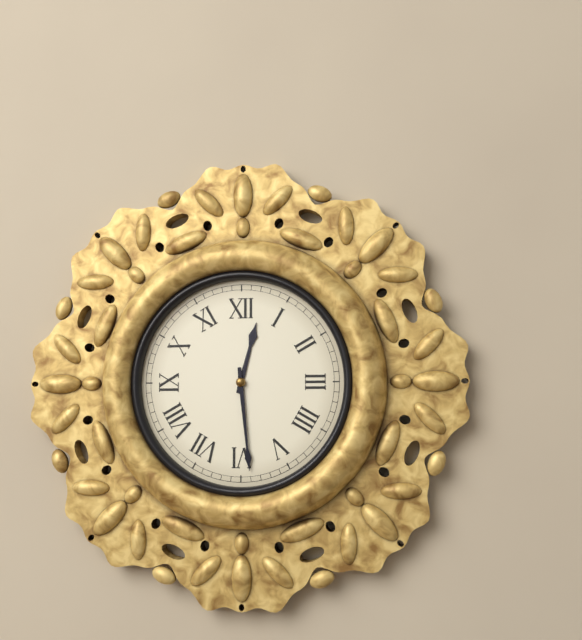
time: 12:29
